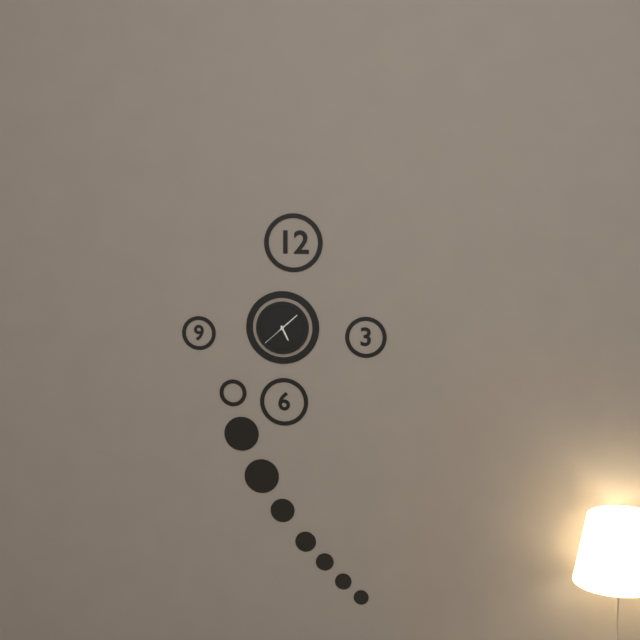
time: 5:08
